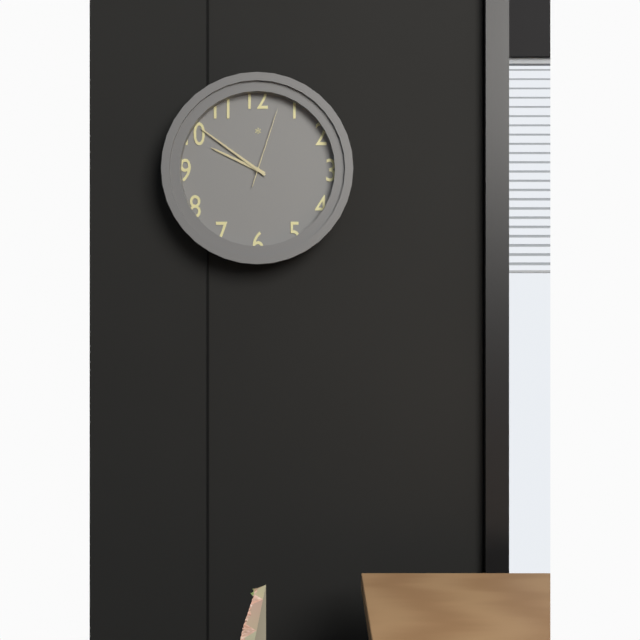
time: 9:51:03
